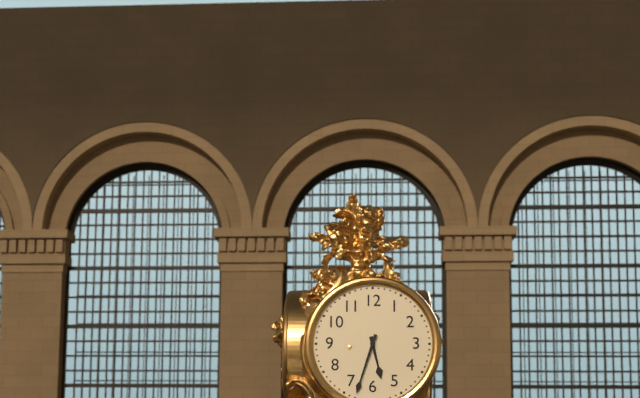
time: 5:33
